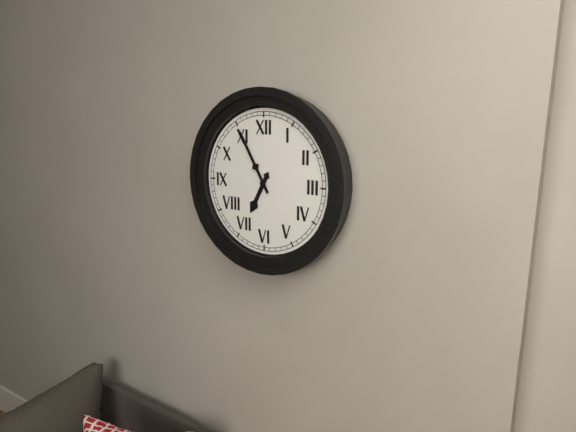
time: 6:55
